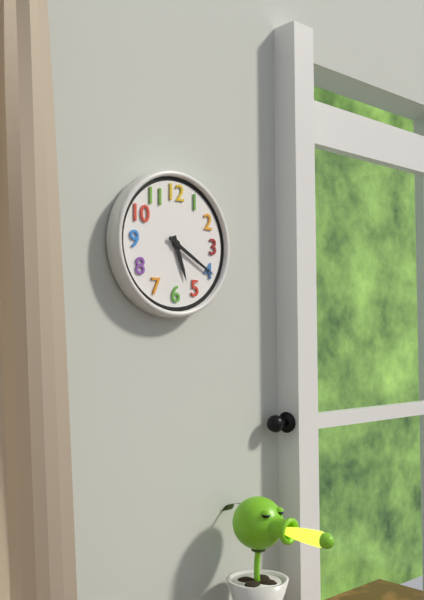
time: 5:20
